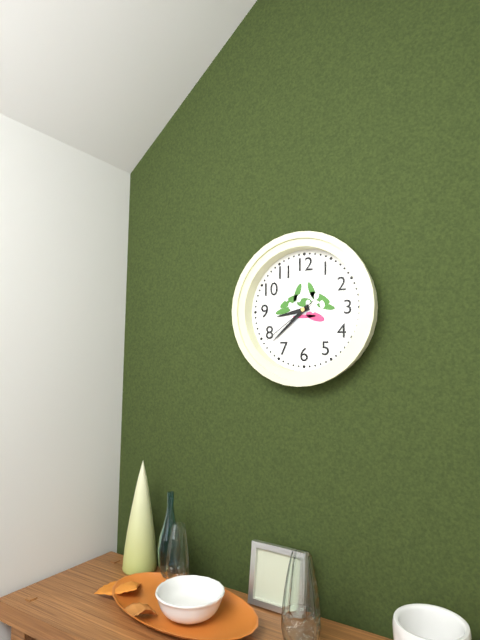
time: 8:38:39
